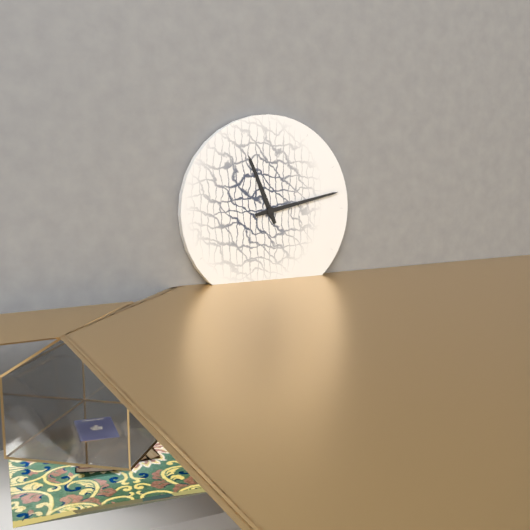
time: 11:13
